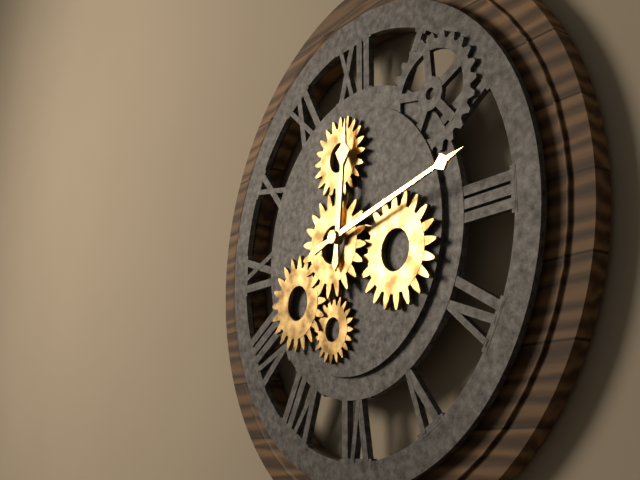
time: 12:13
